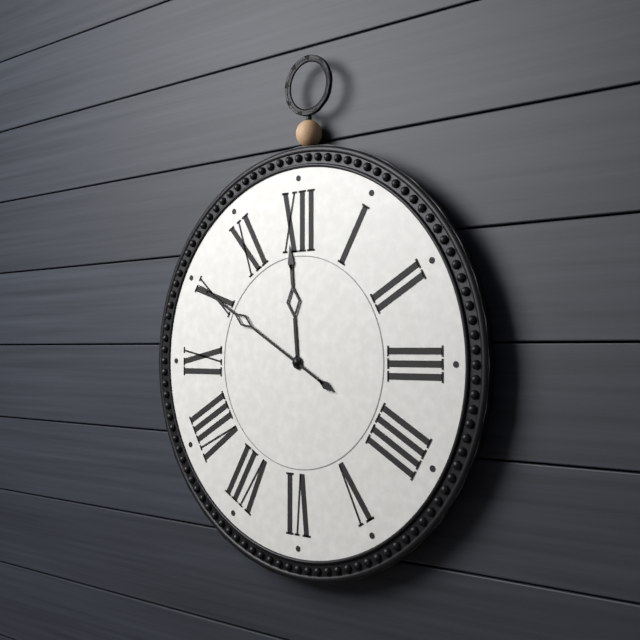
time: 11:50
